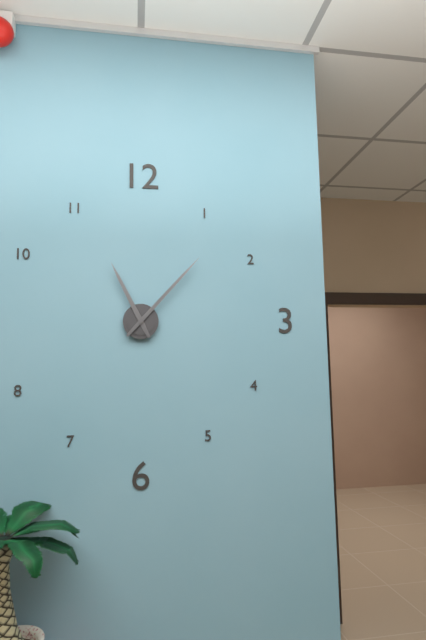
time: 11:07
